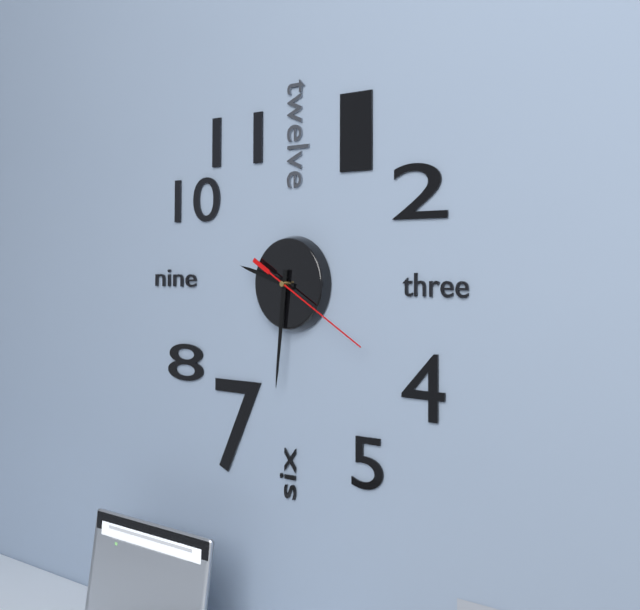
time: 9:31:20
